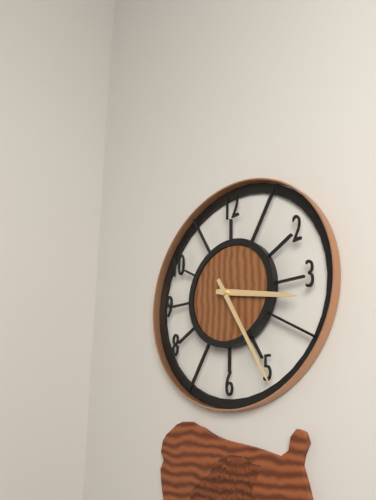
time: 3:25
